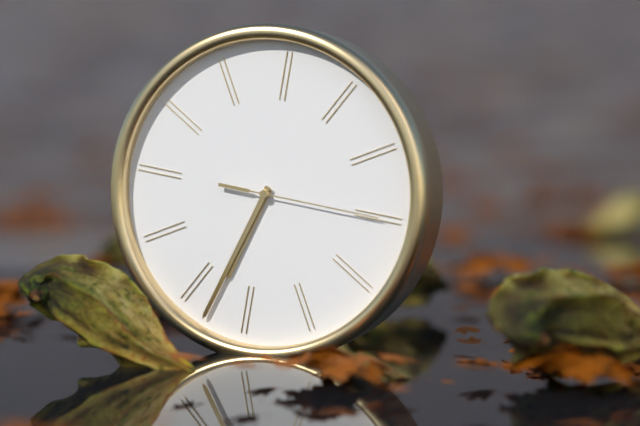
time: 6:33:15
